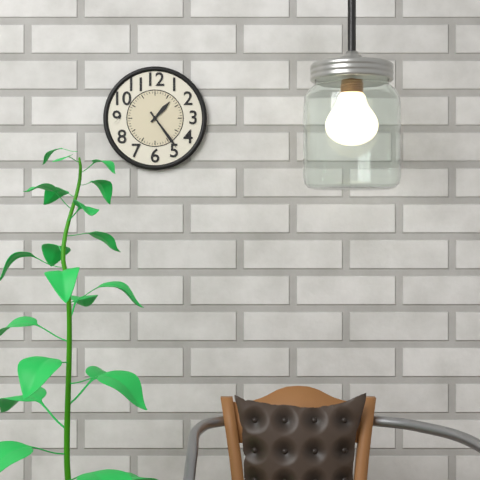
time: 1:24
